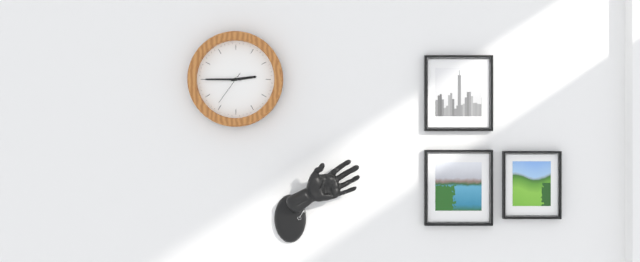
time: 2:45
